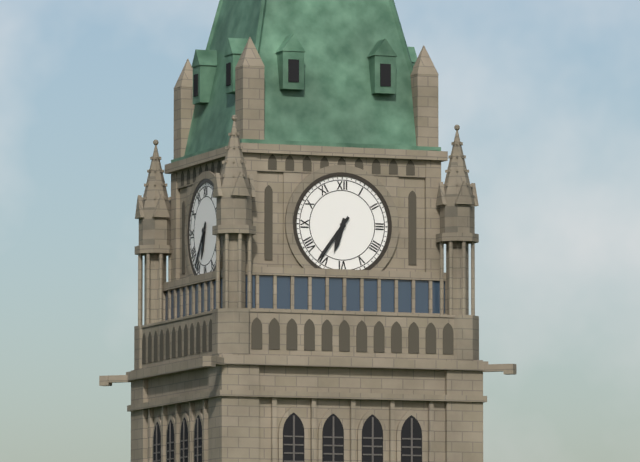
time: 6:36
